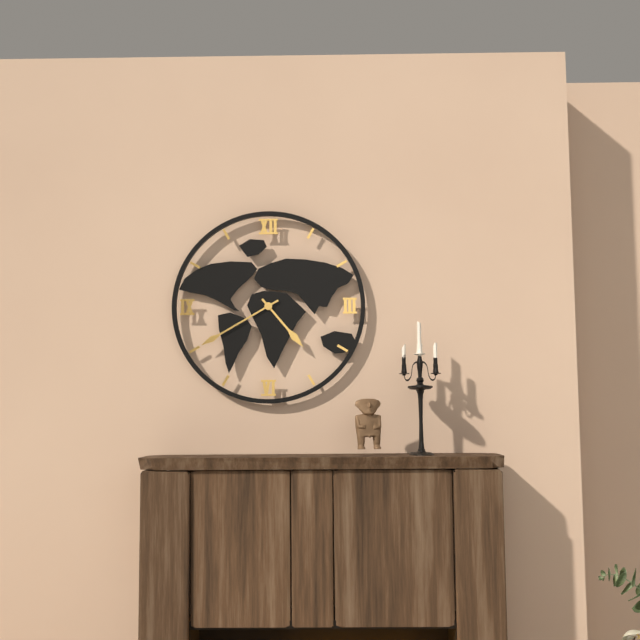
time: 4:40
